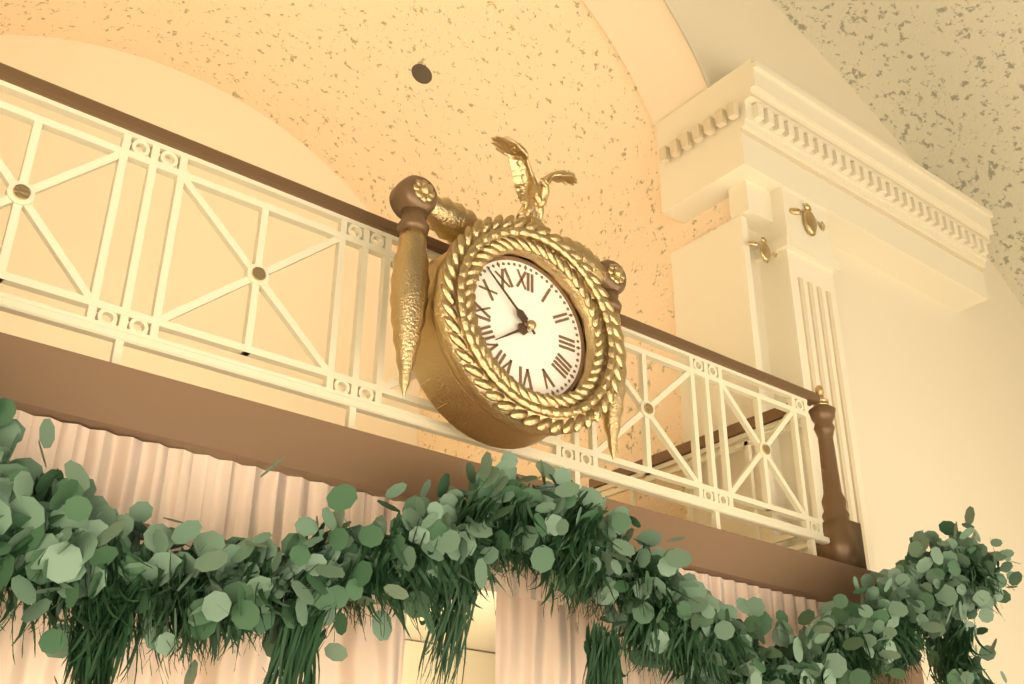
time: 7:52
